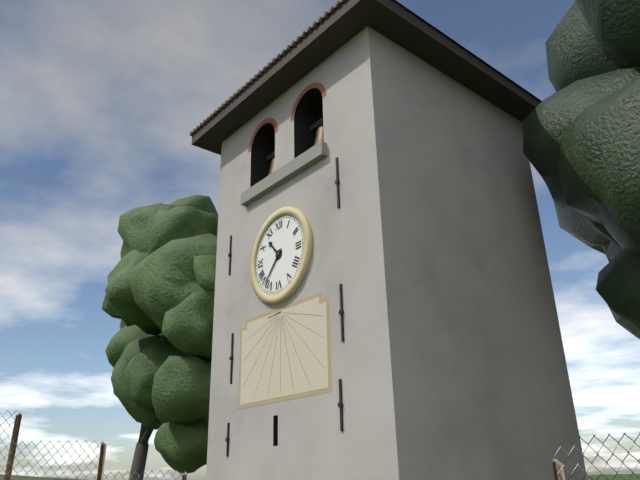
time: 10:37
